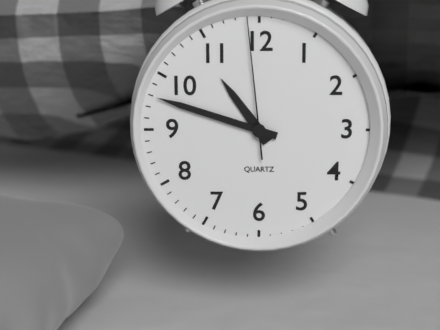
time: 10:48:59
